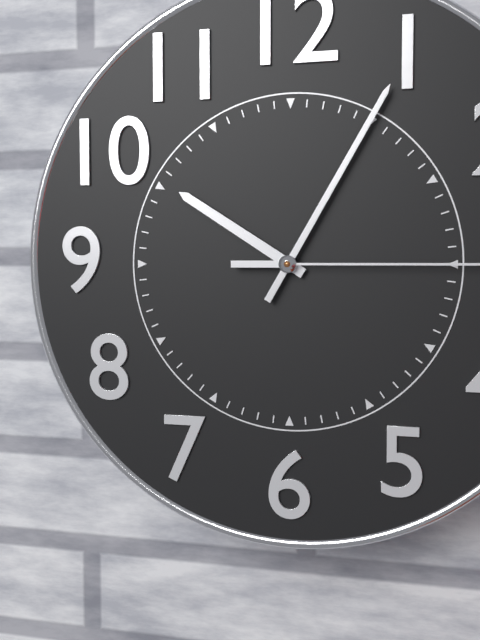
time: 10:05
